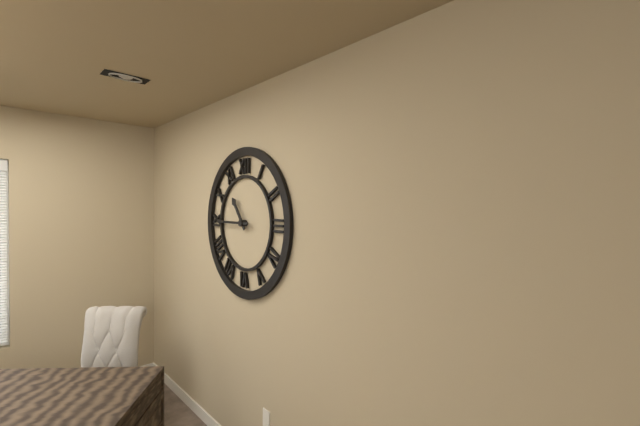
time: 10:45
